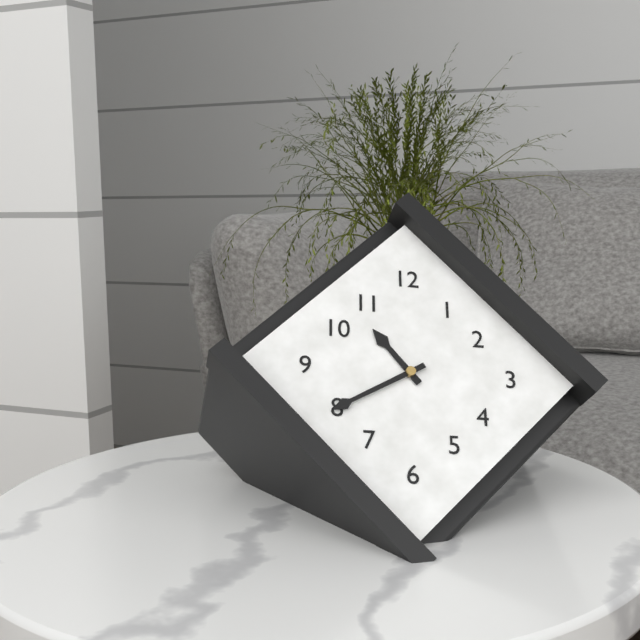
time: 10:40
